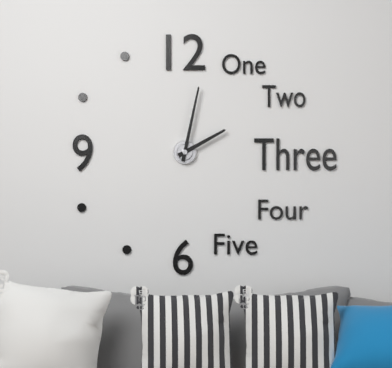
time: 2:02
